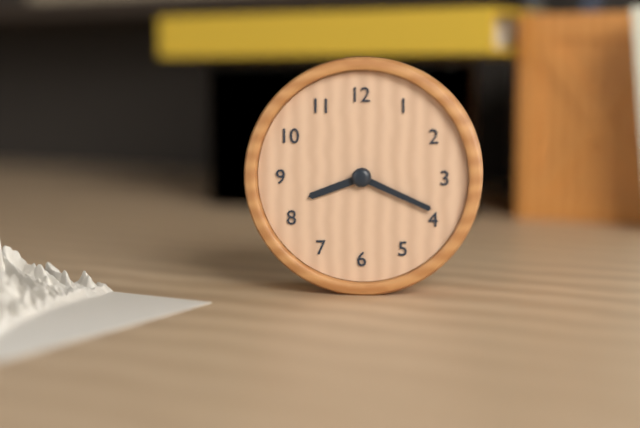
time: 8:19
